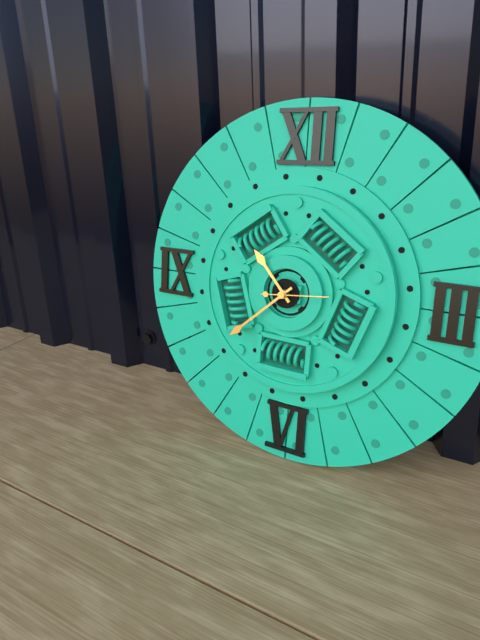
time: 10:38
